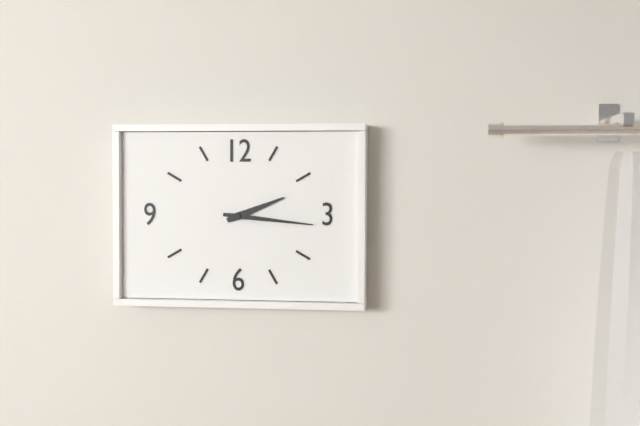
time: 2:16
